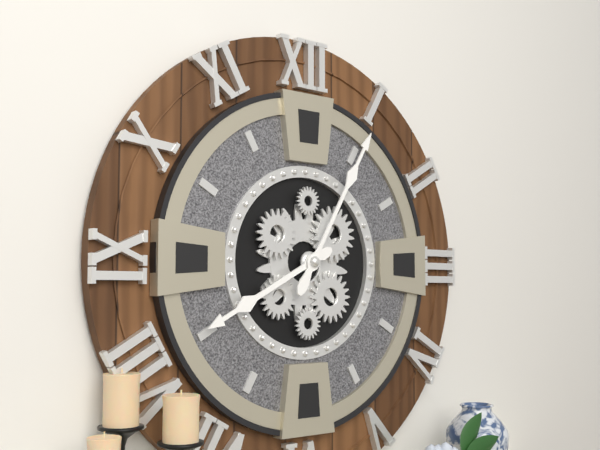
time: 8:05
